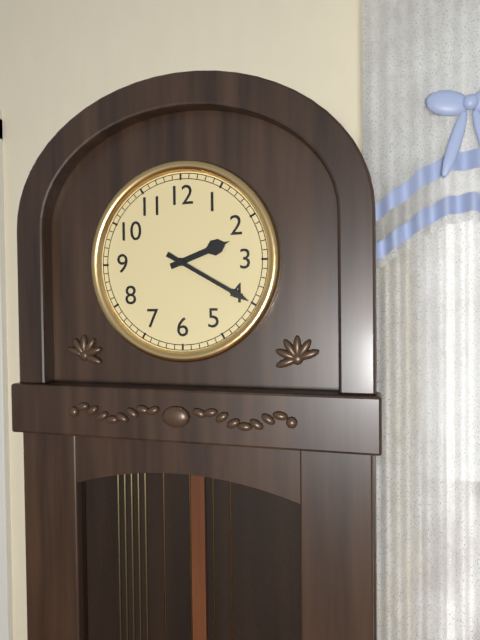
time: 2:20
